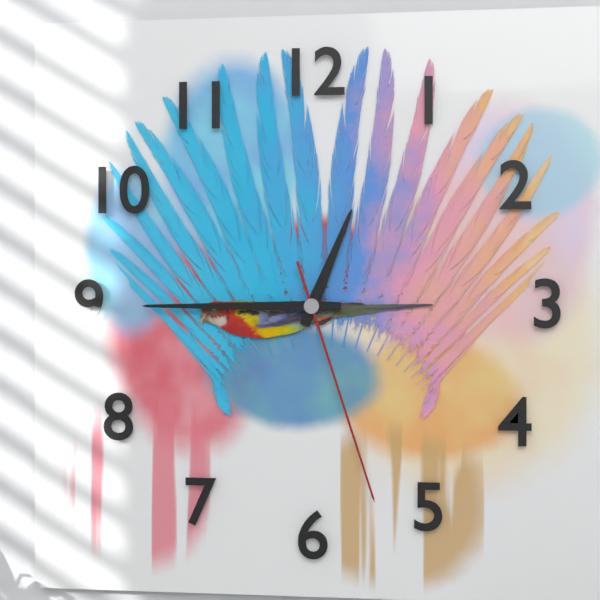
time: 12:45:27
